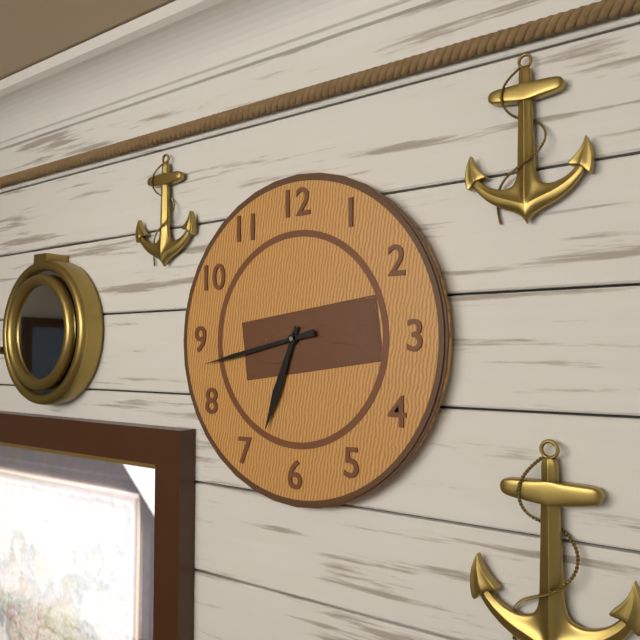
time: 6:43
